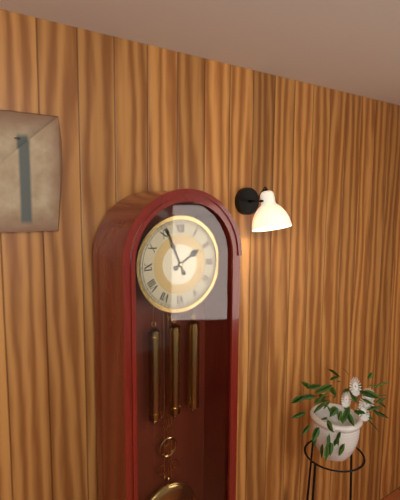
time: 1:56
